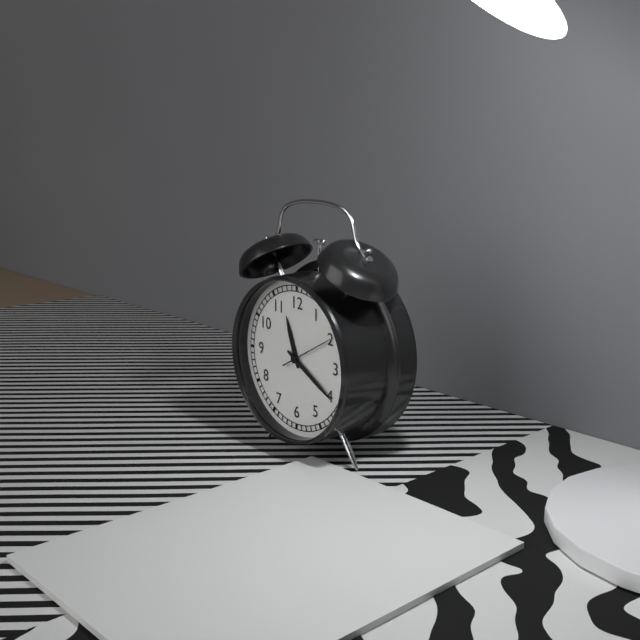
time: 11:20:10
